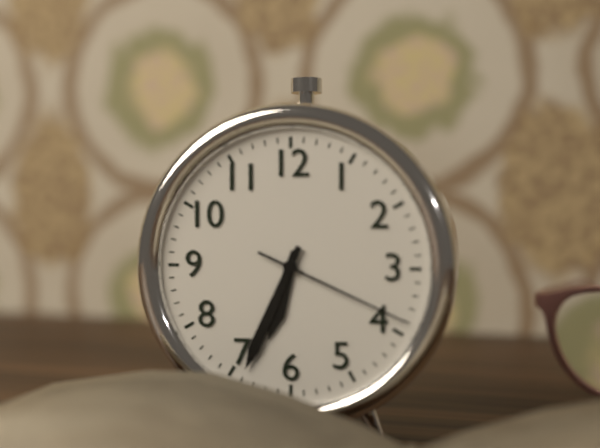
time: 6:34:19
